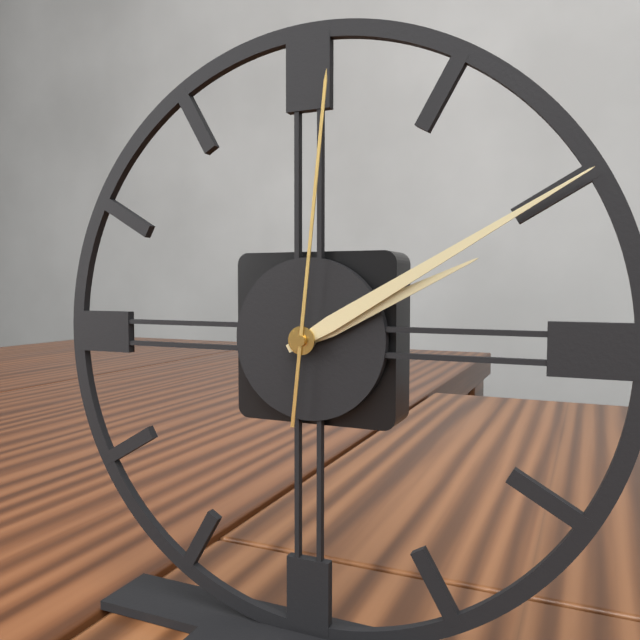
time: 2:10:01
